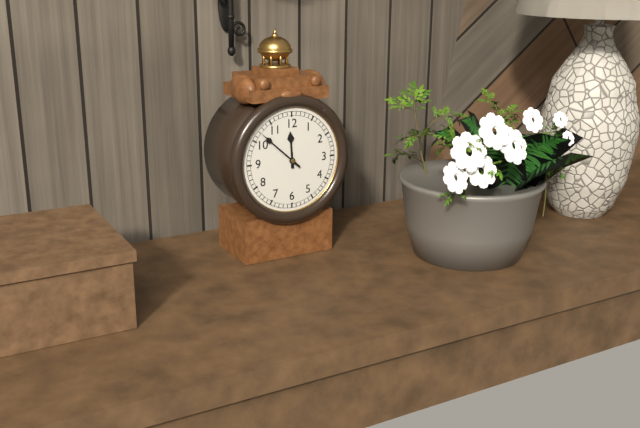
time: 11:52
